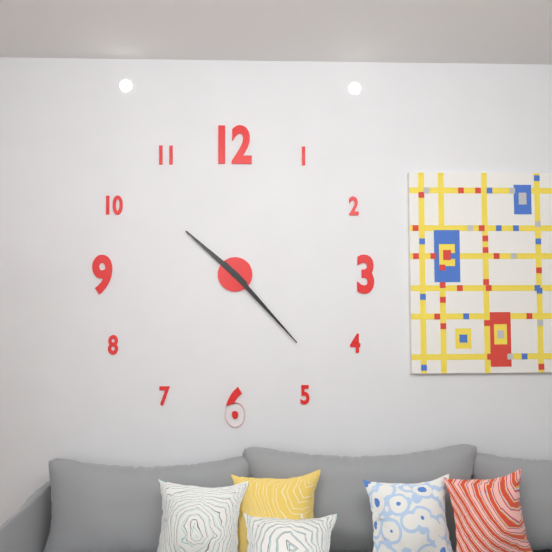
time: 10:23
